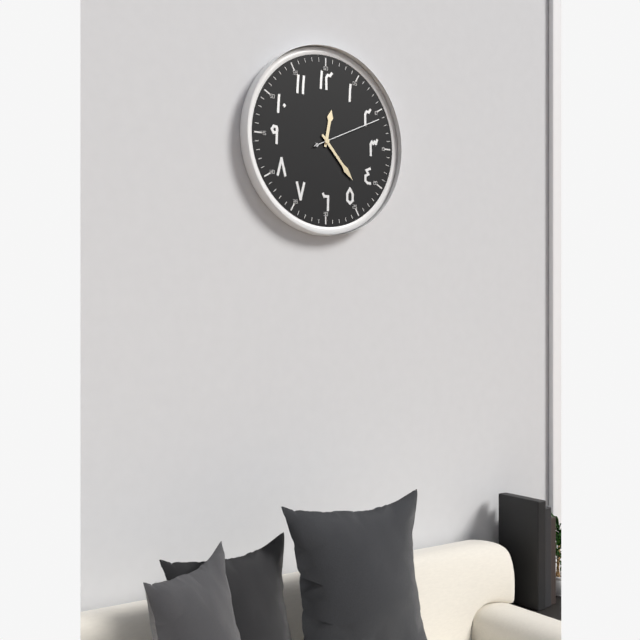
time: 12:23:11
